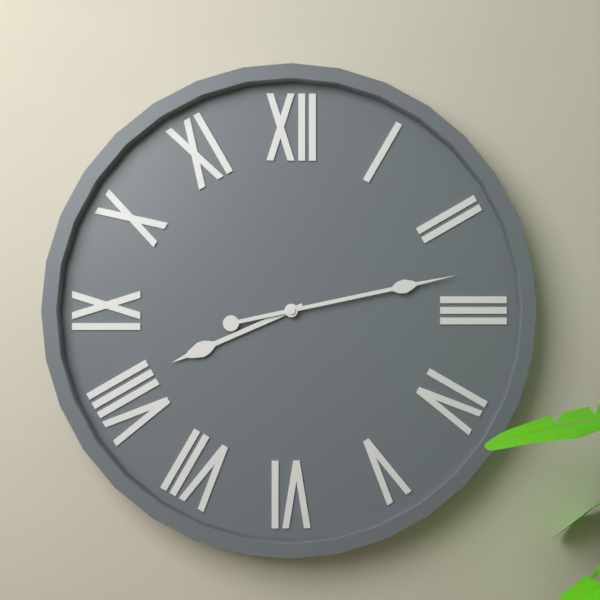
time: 8:13
